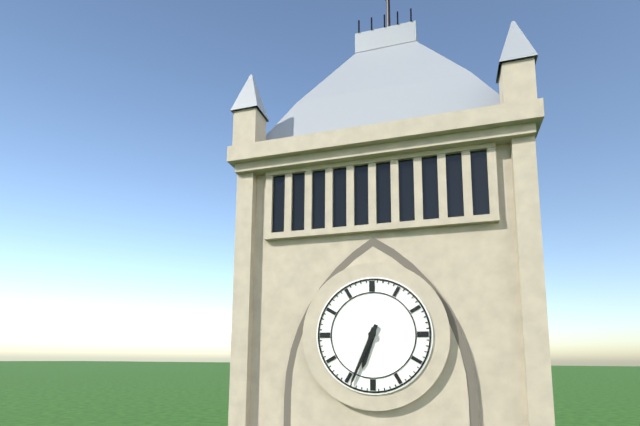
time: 6:34
